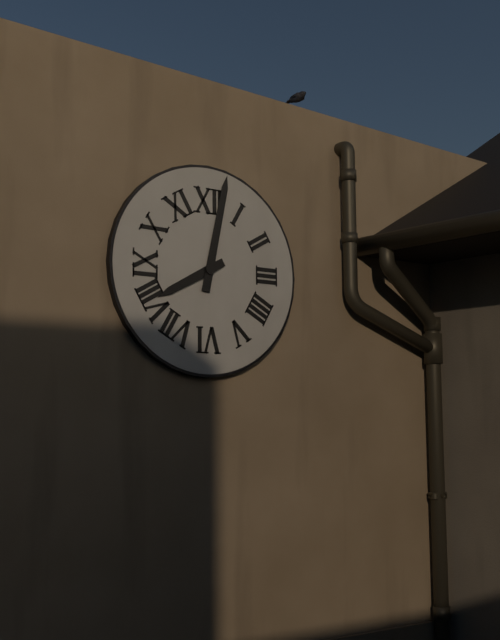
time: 8:02
